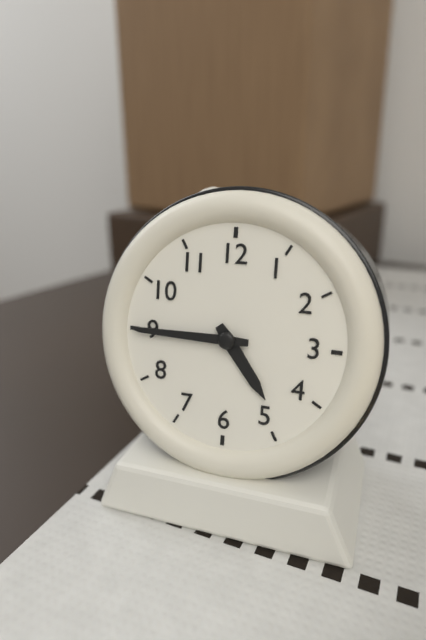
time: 4:45
